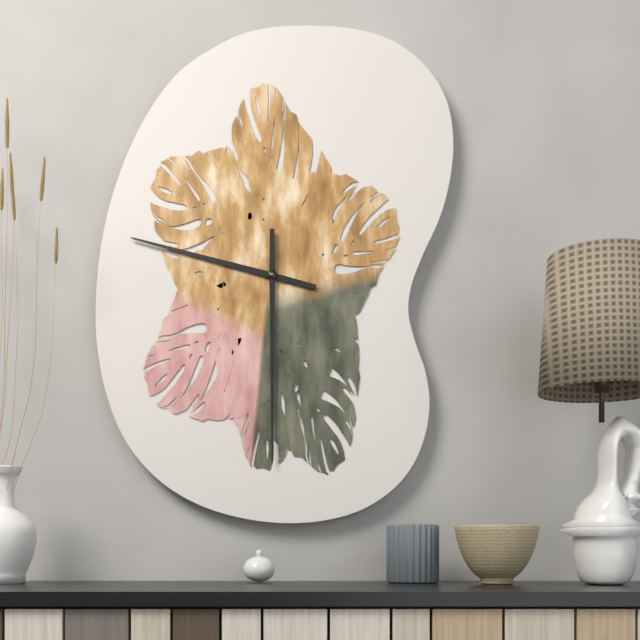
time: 9:30
